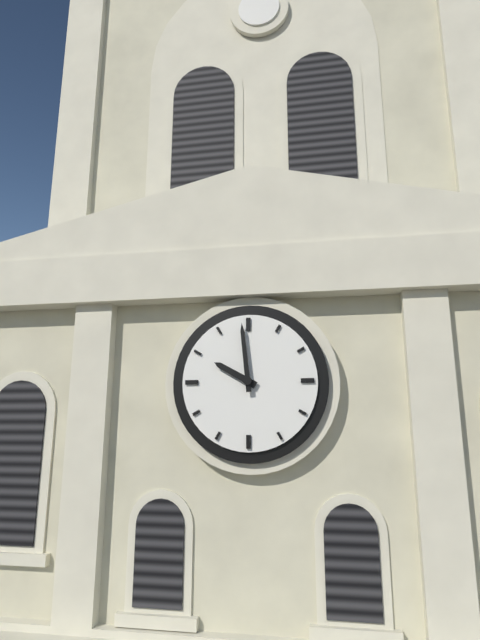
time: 9:59
